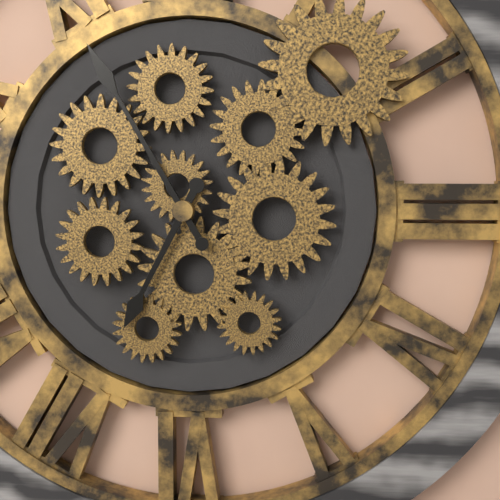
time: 6:55
